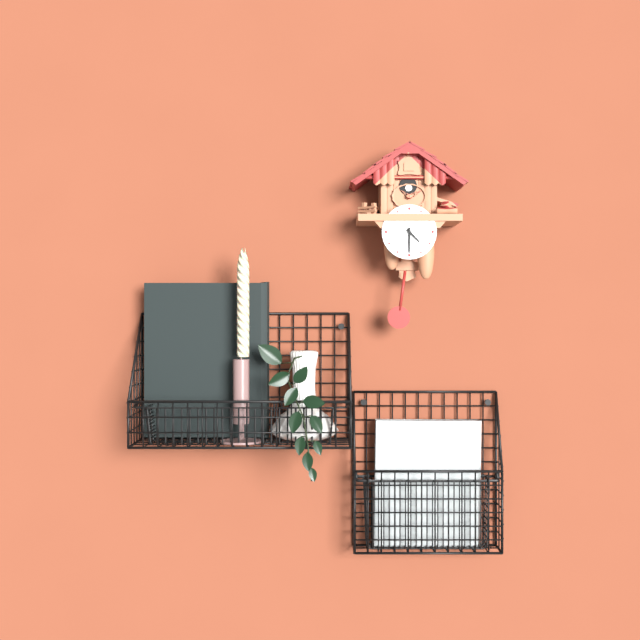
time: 4:30
